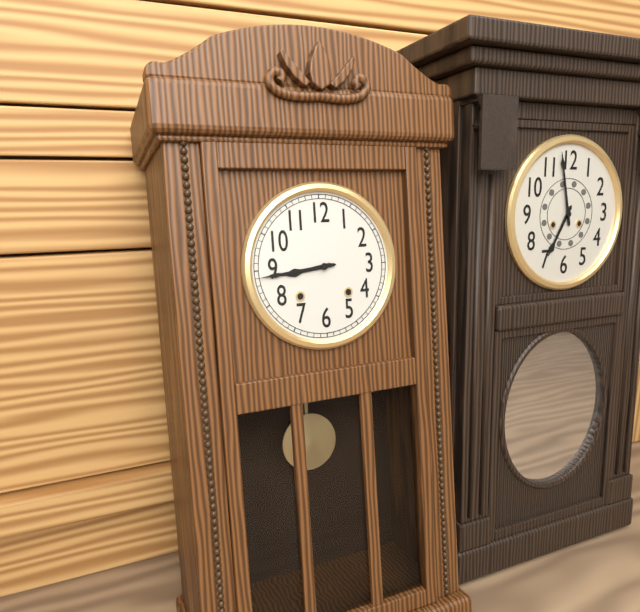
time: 8:44
